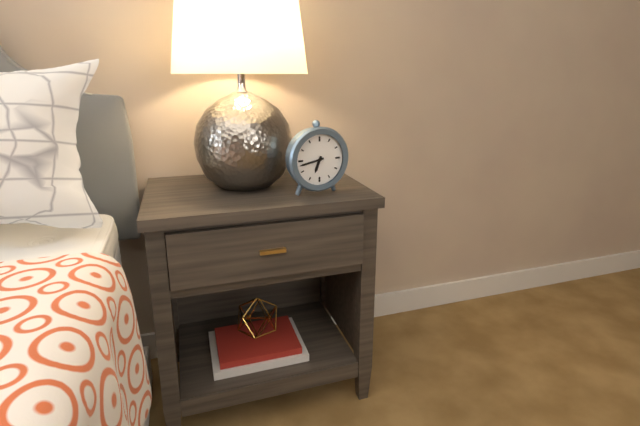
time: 6:43
